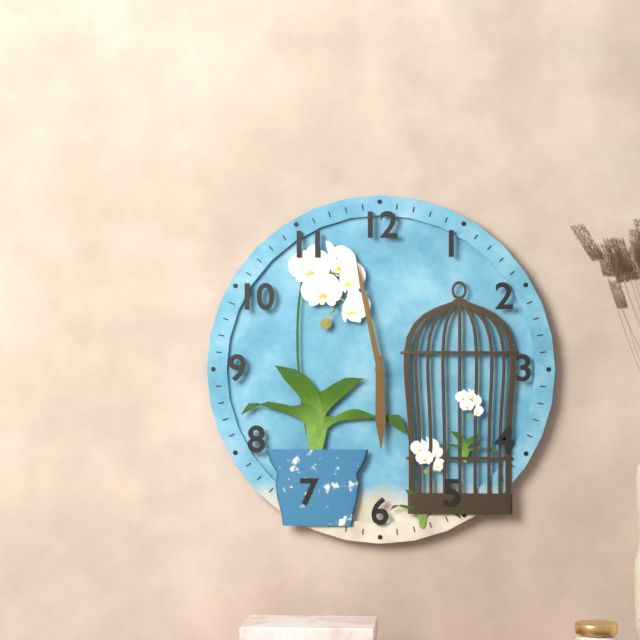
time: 5:58
